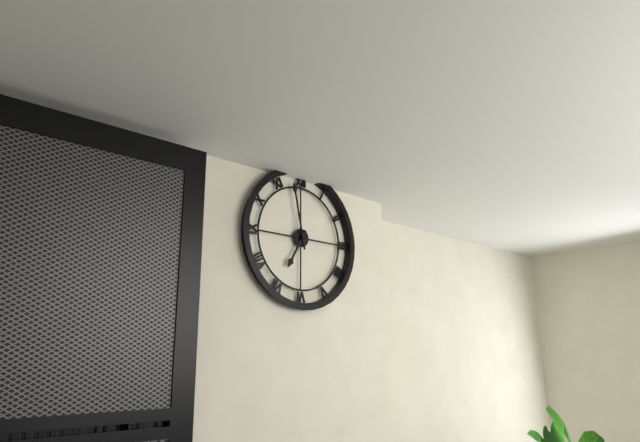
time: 6:58
